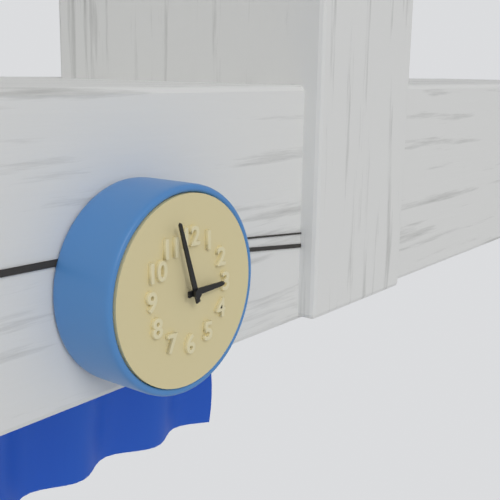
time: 2:57
